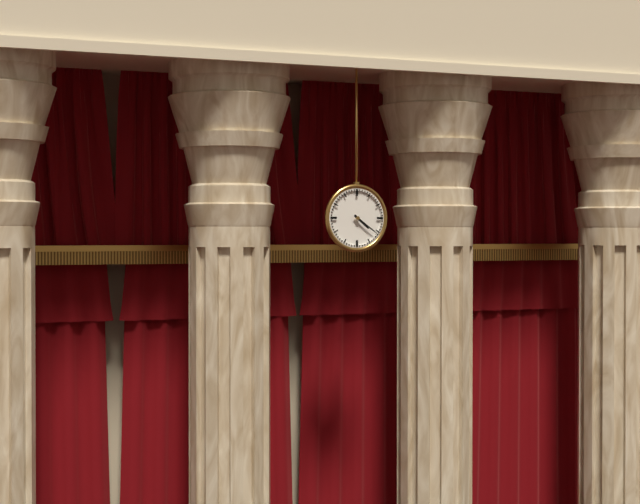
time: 4:21
